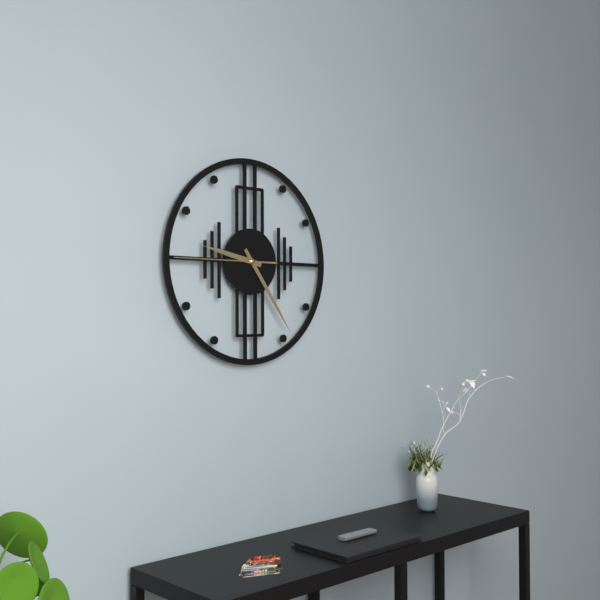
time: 9:24:45
